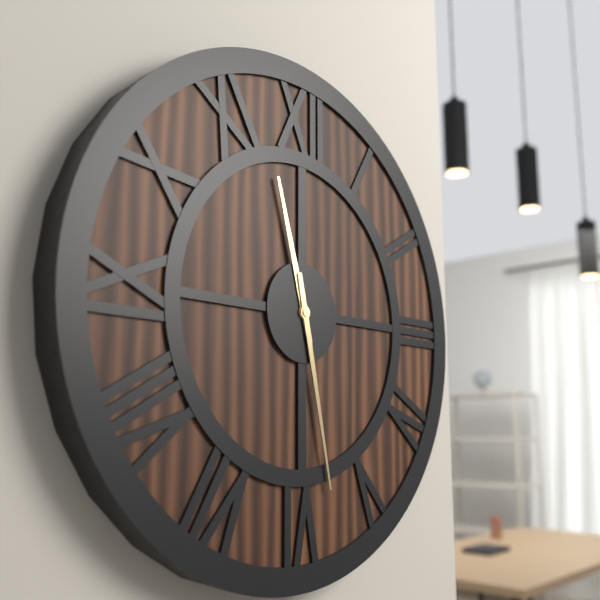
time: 11:28
